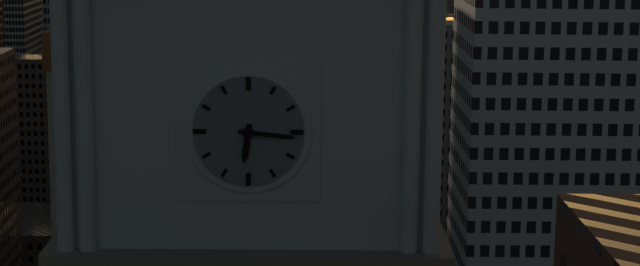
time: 6:16
